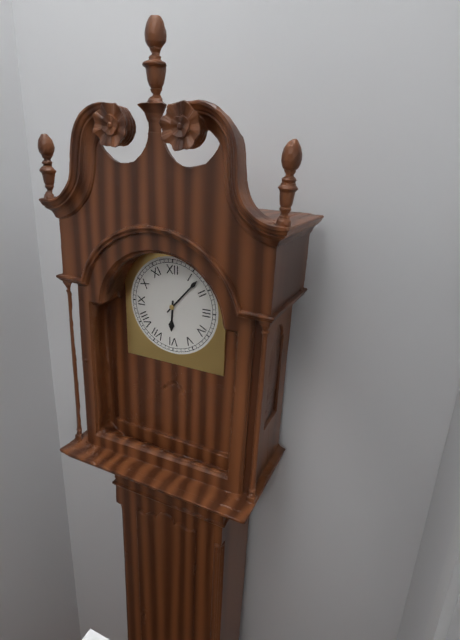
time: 6:07
